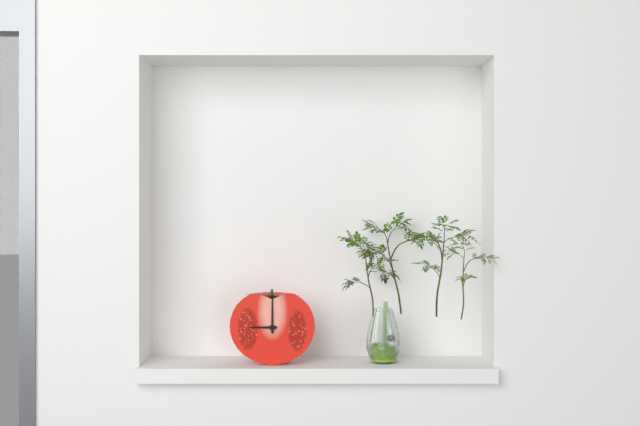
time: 9:00
